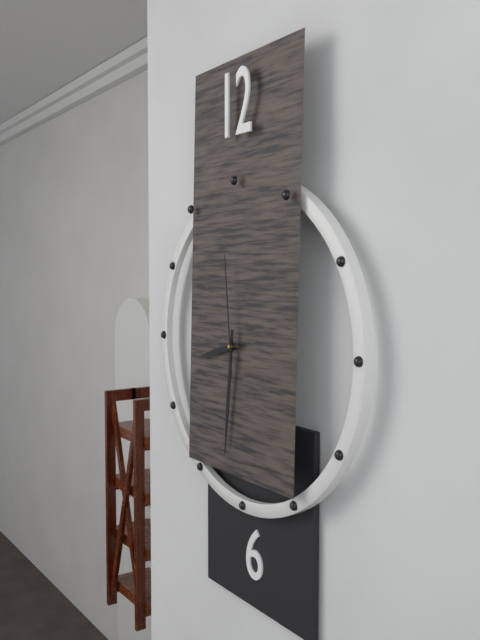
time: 8:31:59
